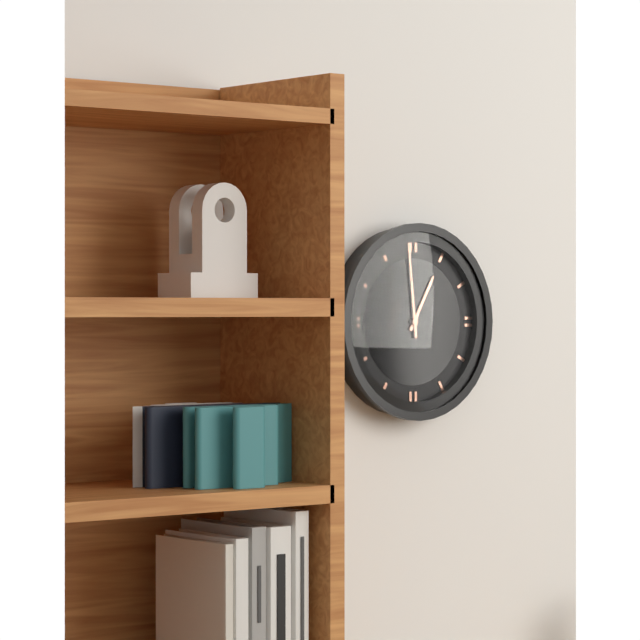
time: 12:59
